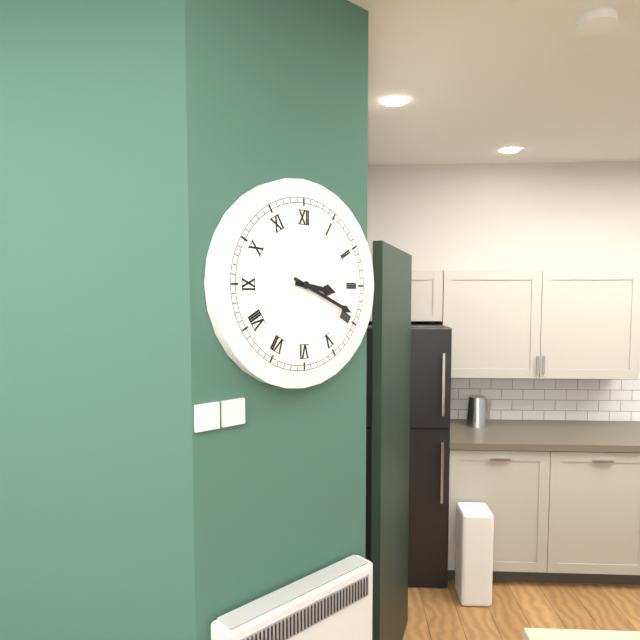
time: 3:19
